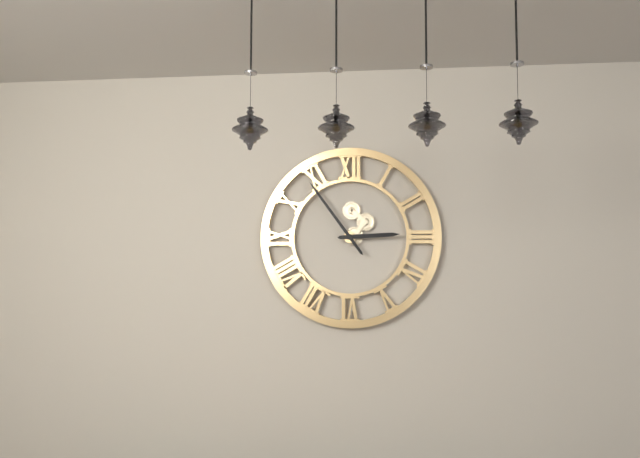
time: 2:54
